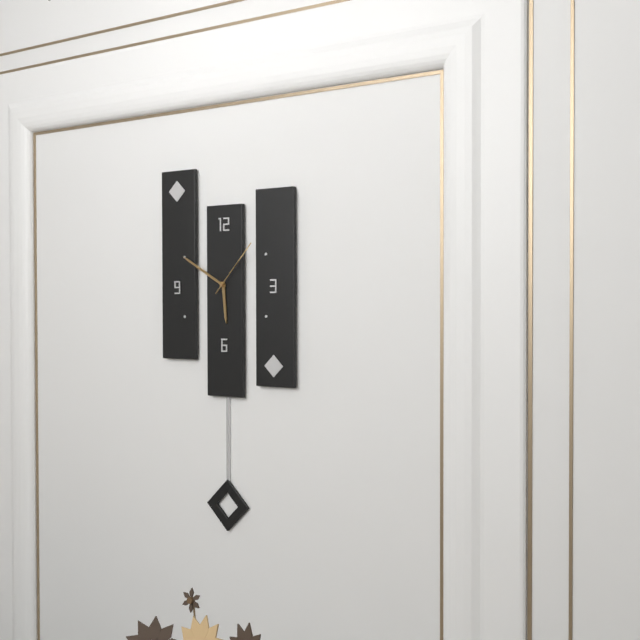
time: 5:50:07
